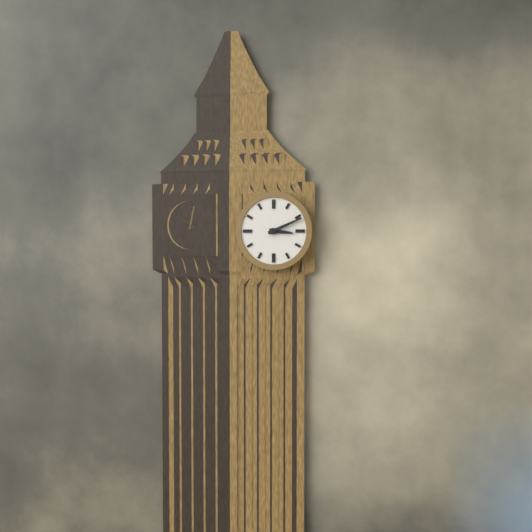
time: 3:11
